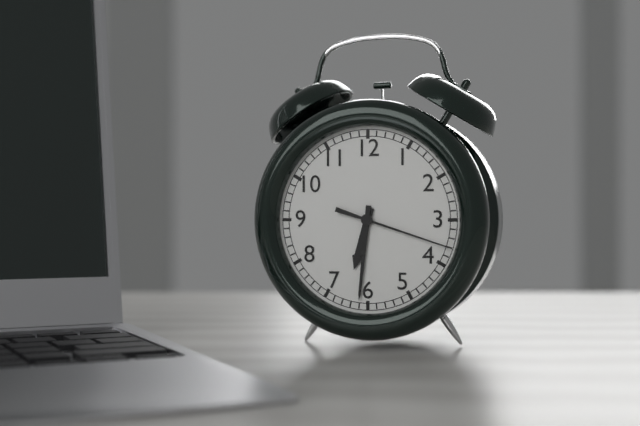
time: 6:31:18
